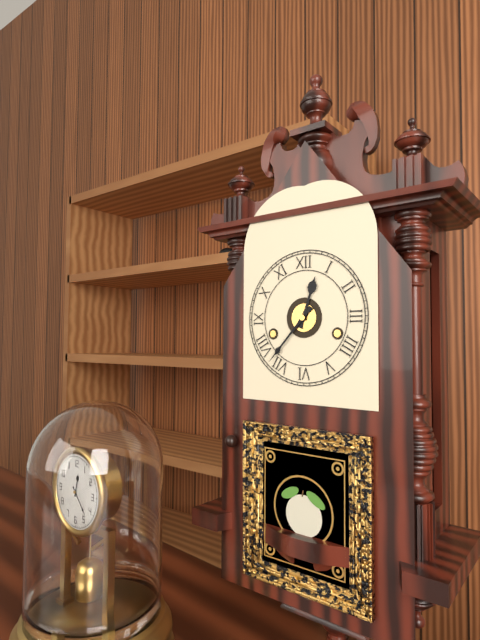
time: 12:37
